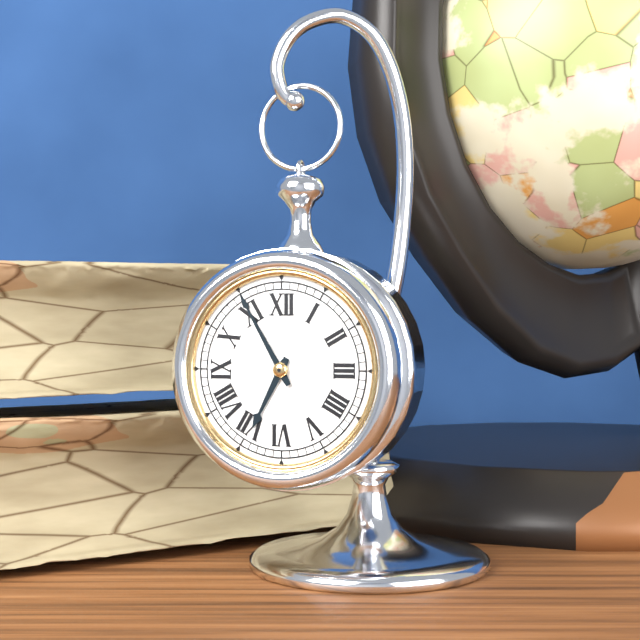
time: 6:55
